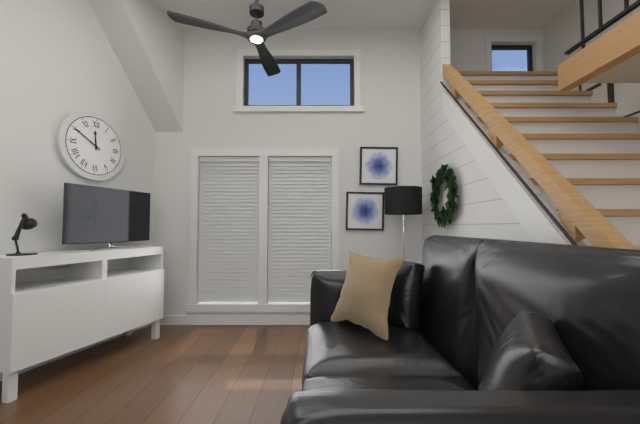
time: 11:50
